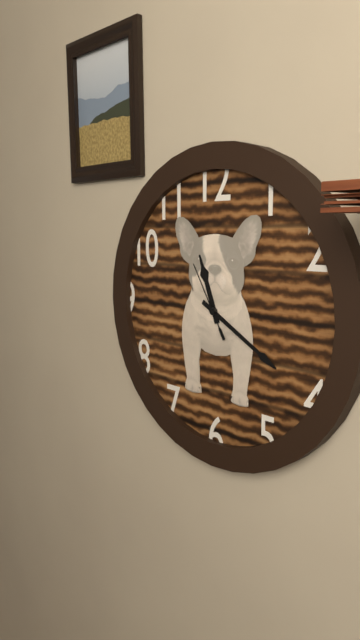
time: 11:20:55
